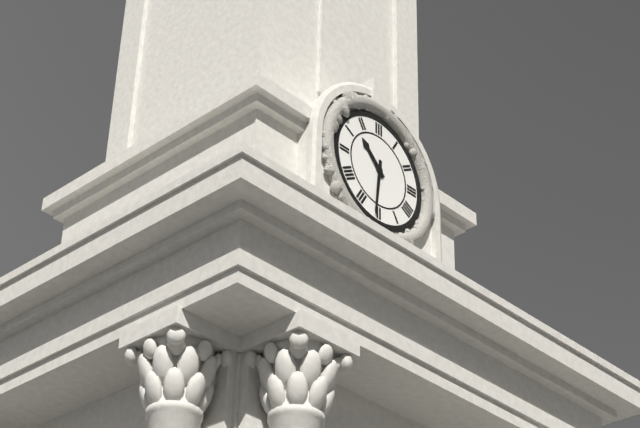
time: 10:31
